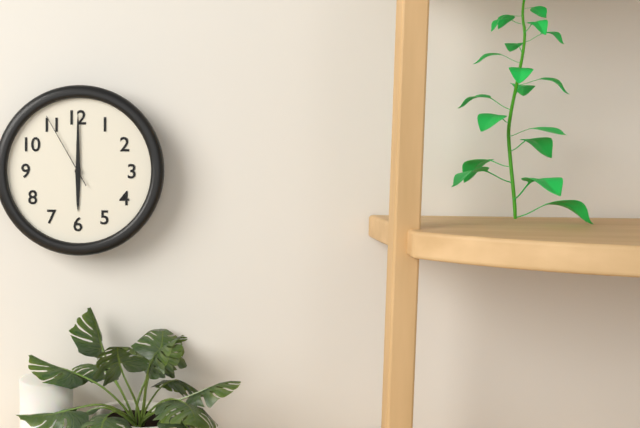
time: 6:00:55
